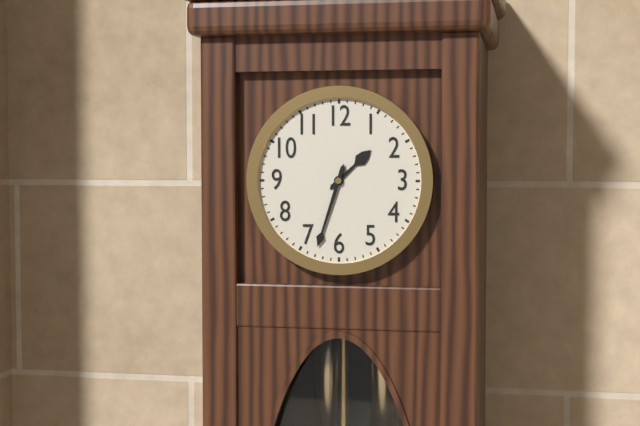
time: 1:33
